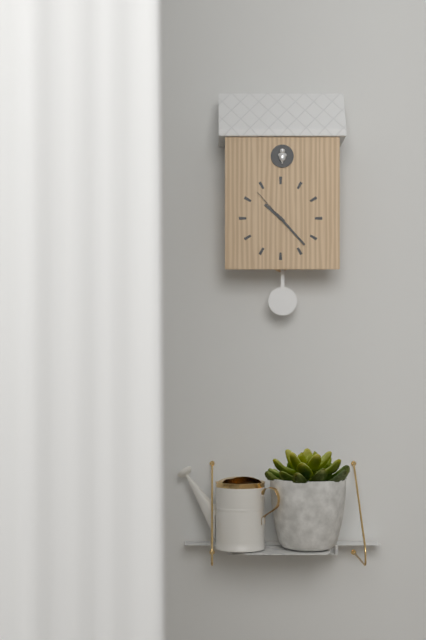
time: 10:23
